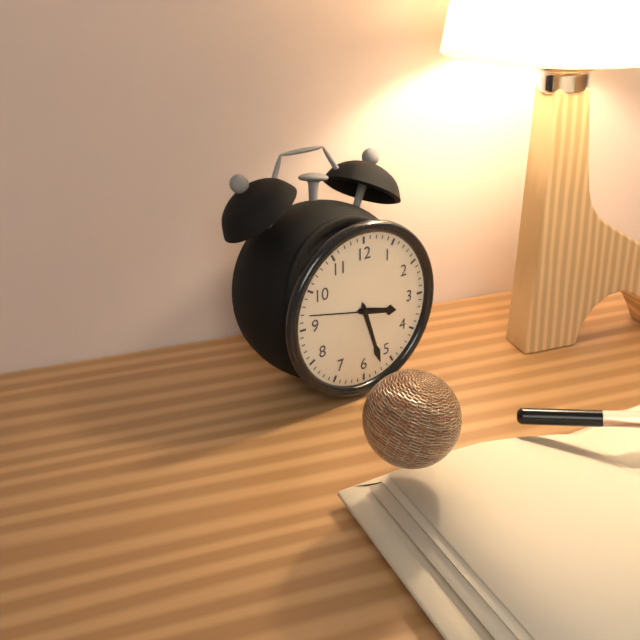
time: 3:27:47
